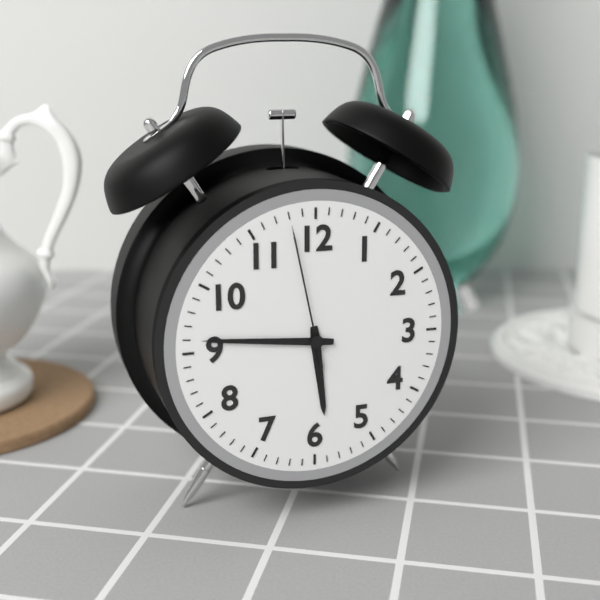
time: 5:46:58
